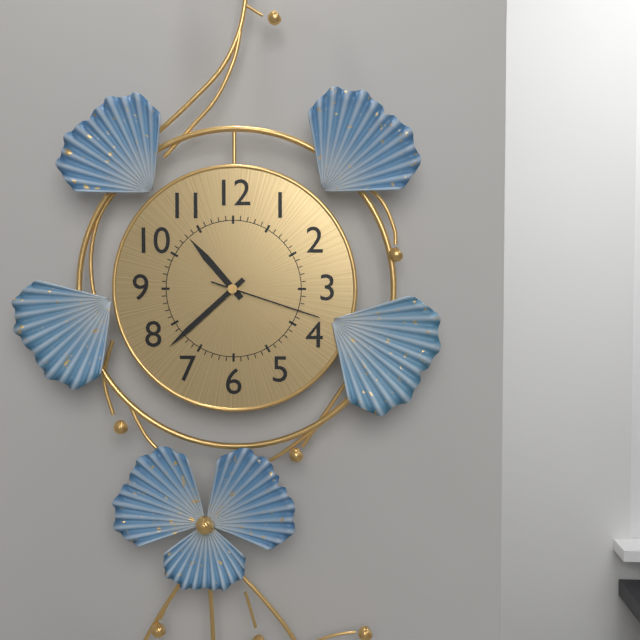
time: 10:38:18
